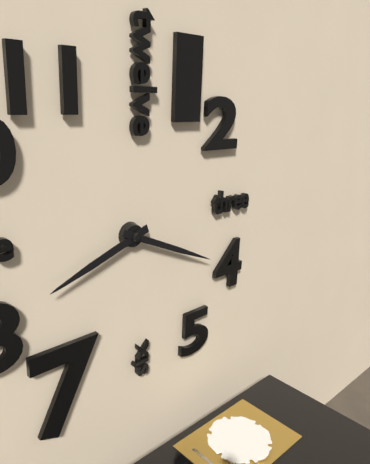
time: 8:19
